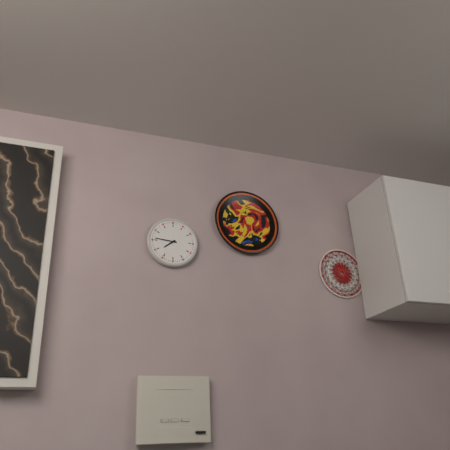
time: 7:46
